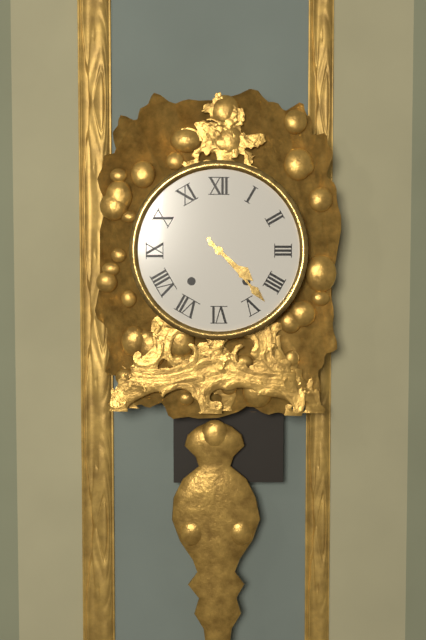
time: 4:23
